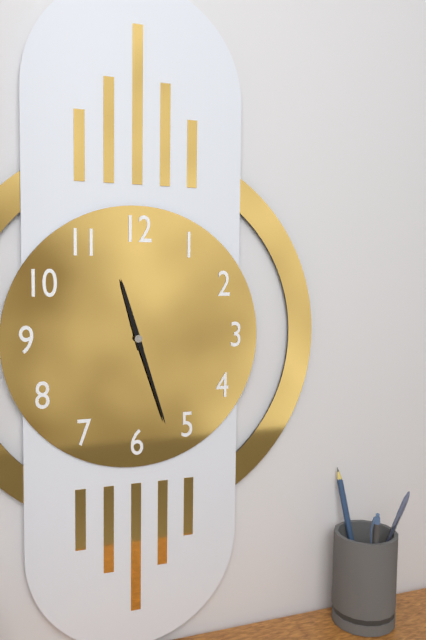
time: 11:27
